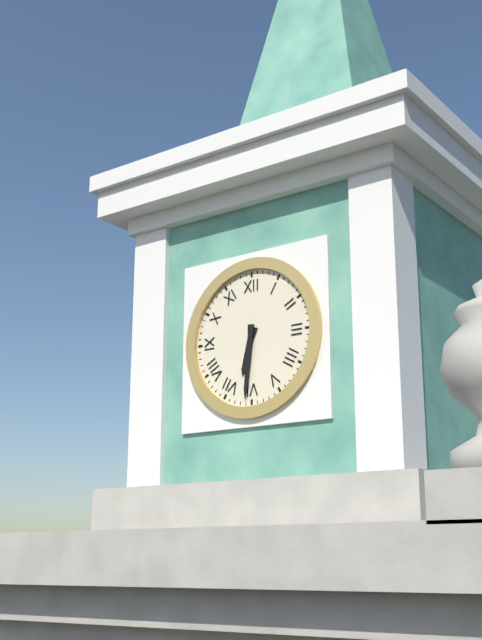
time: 6:31
